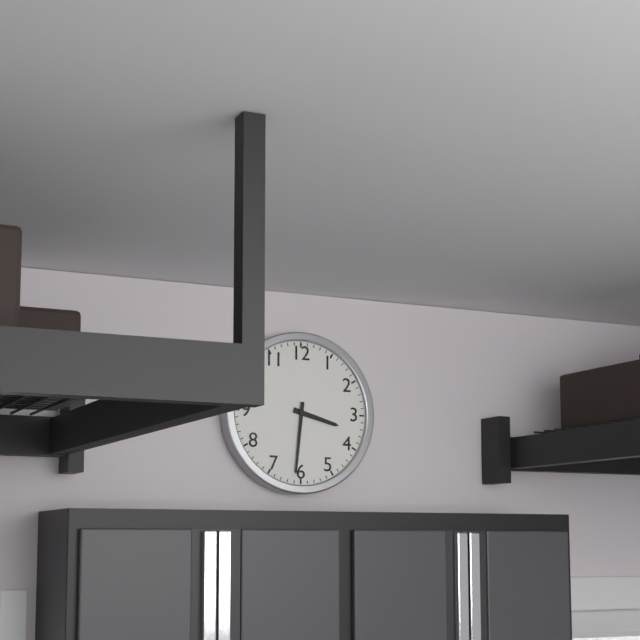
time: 3:31
